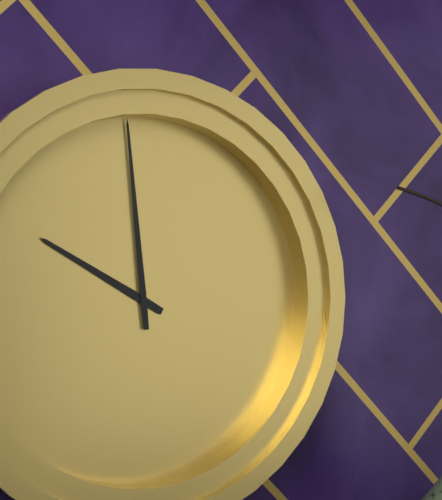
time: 9:59
